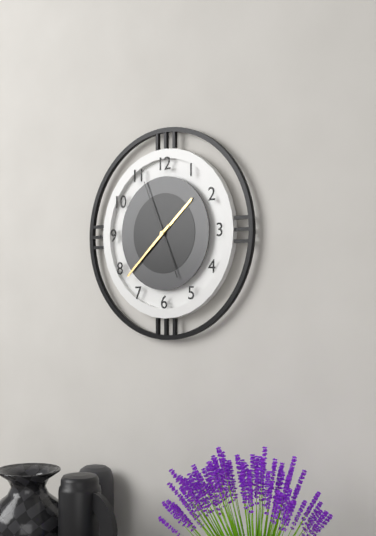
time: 1:38:56
